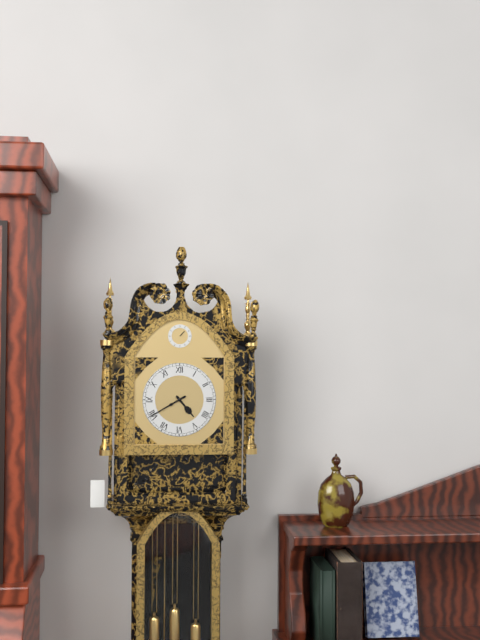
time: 4:40
